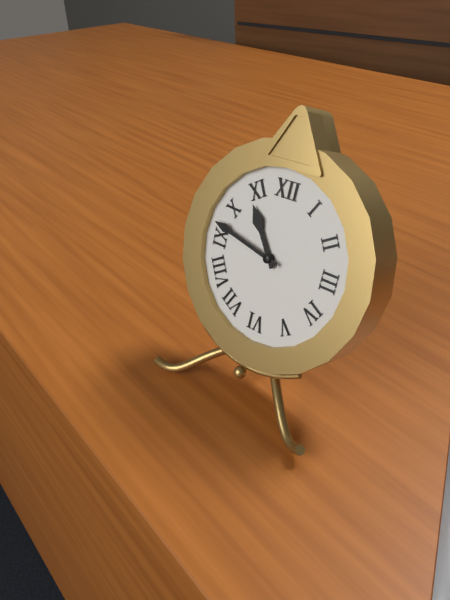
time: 10:47
